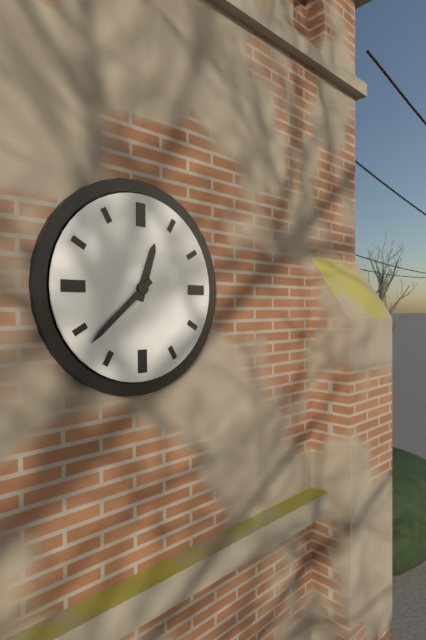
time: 12:38
